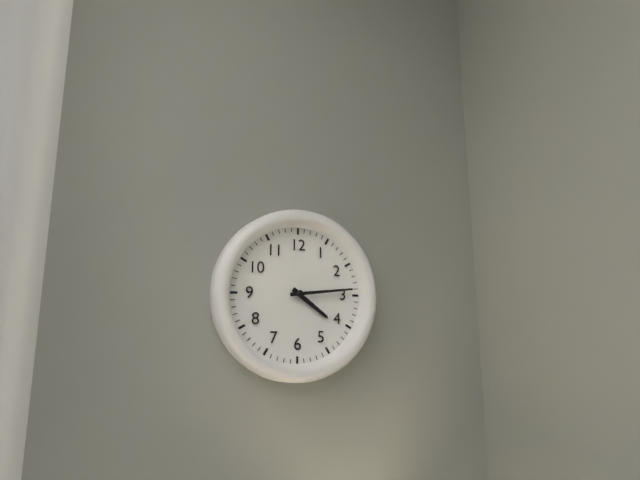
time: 4:14
